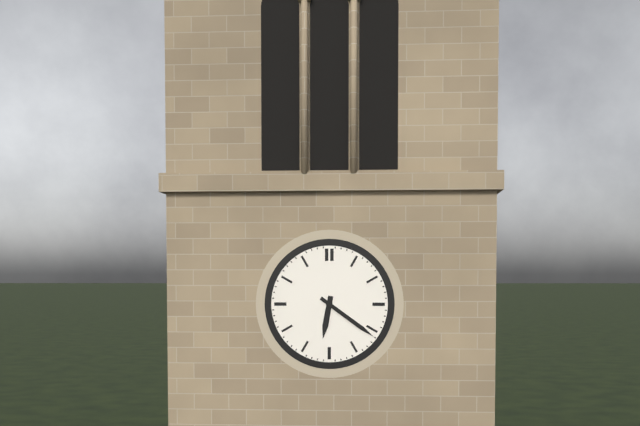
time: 6:21
